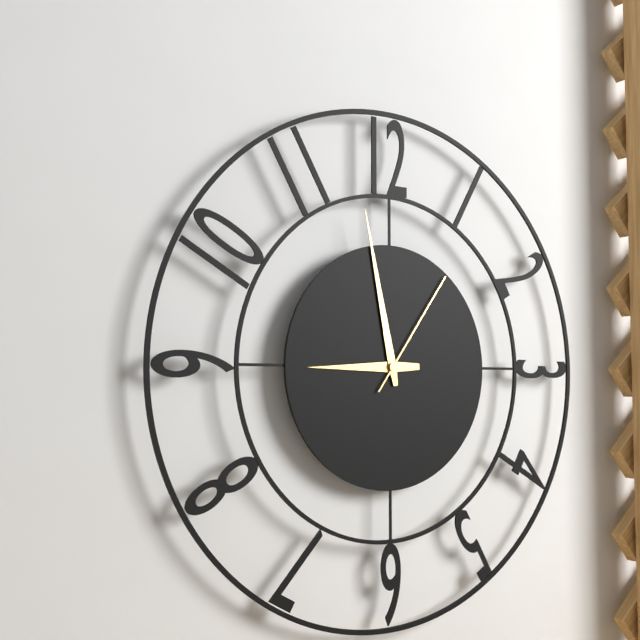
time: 8:58:06
